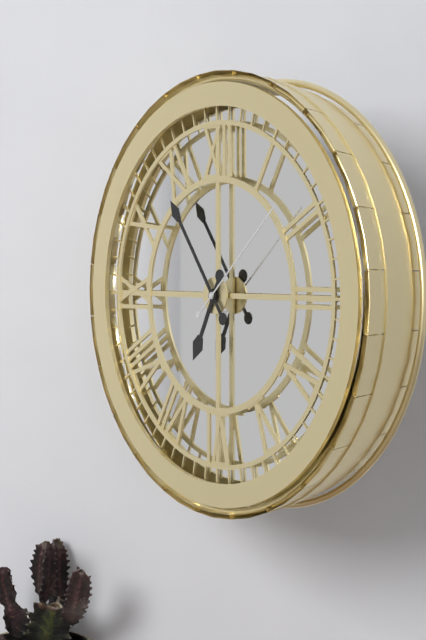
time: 6:54:08
